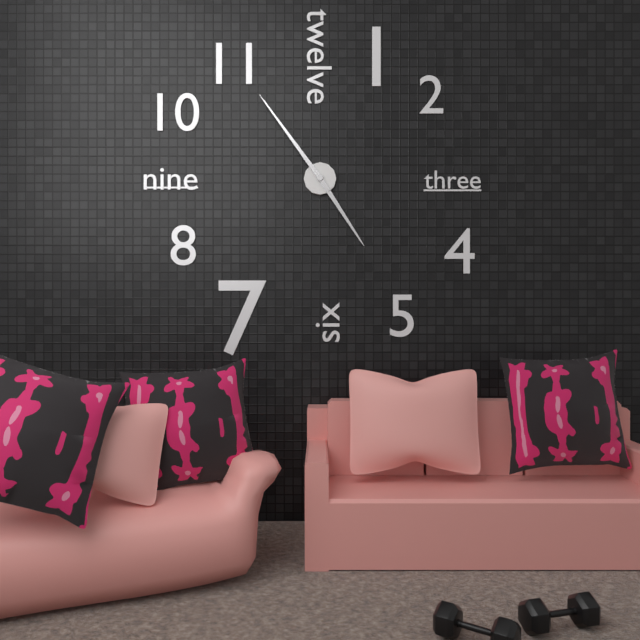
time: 4:54
